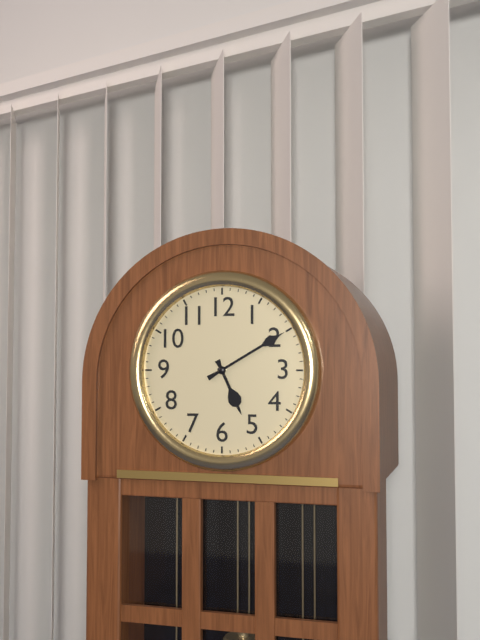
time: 5:10
